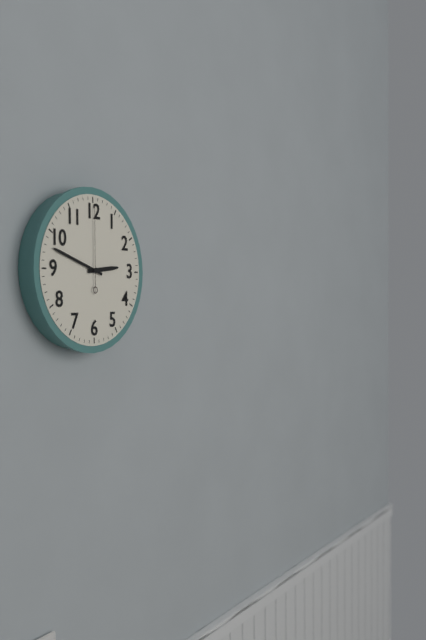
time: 2:48:00
